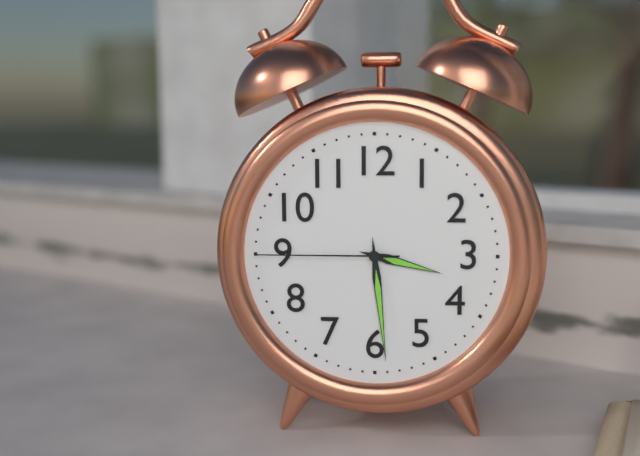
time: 3:29:45
